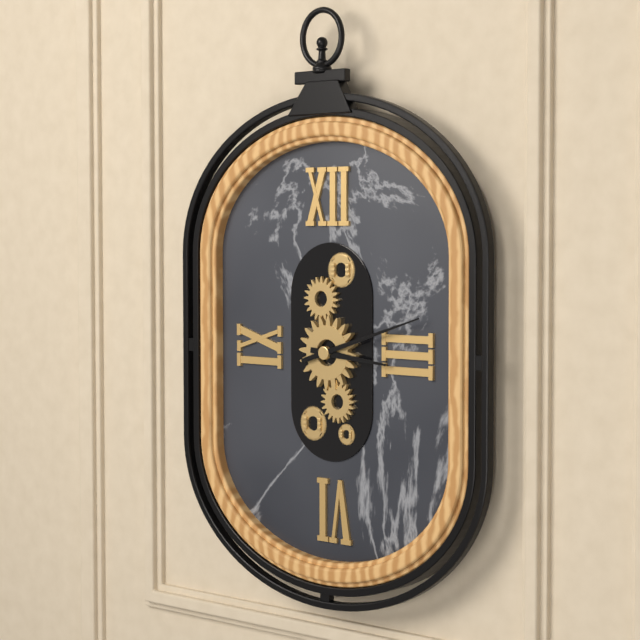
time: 3:12
